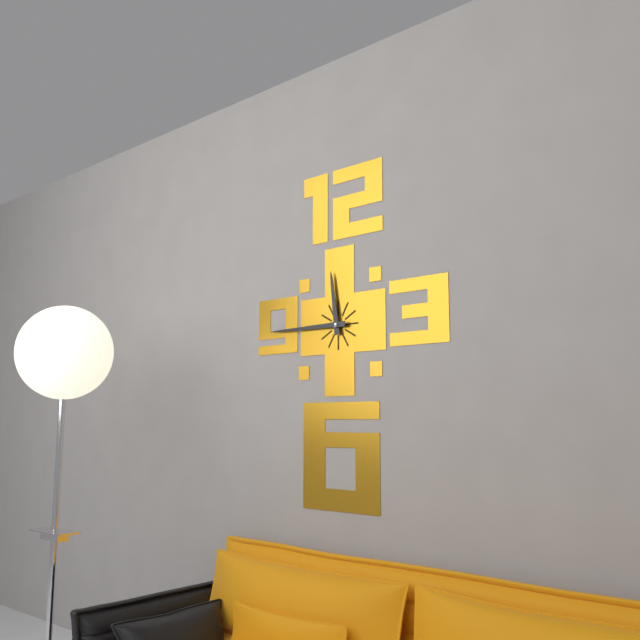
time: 11:45
